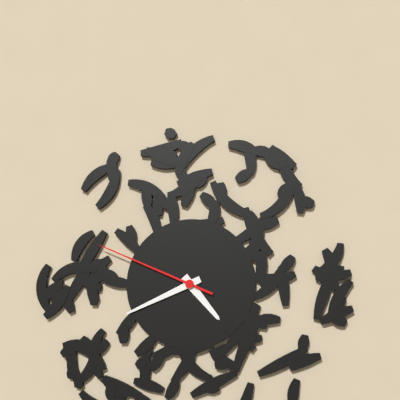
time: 4:41:49
